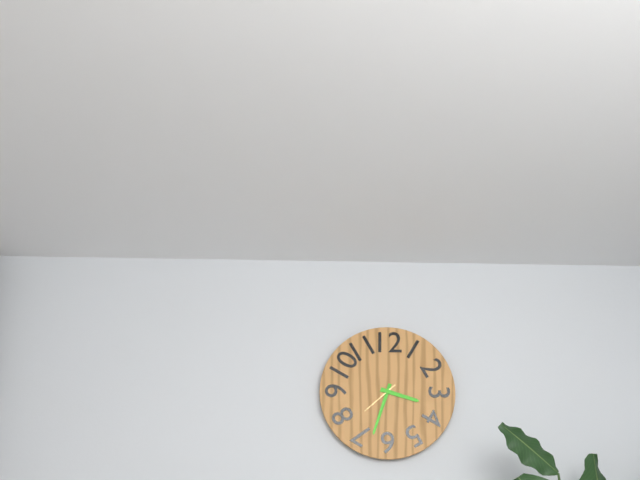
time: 3:33
